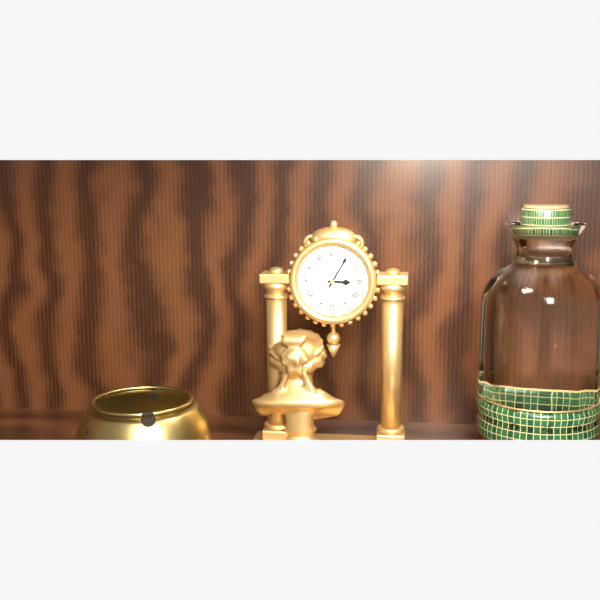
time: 3:05
